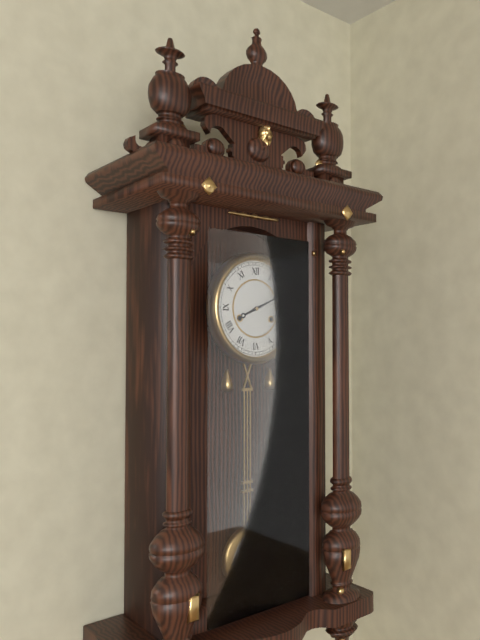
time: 8:11
